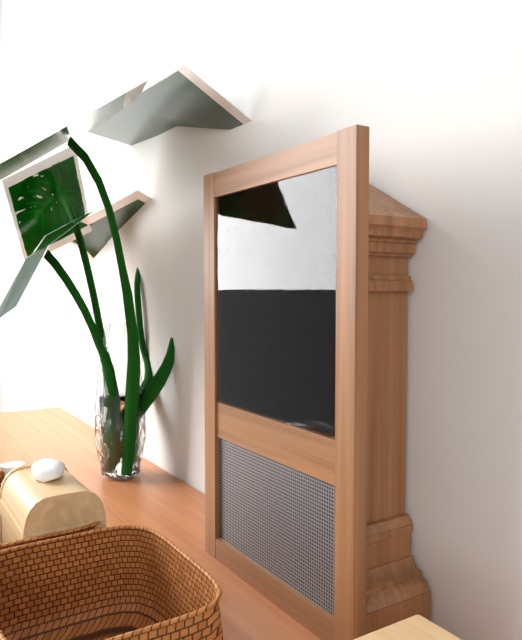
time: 7:53
